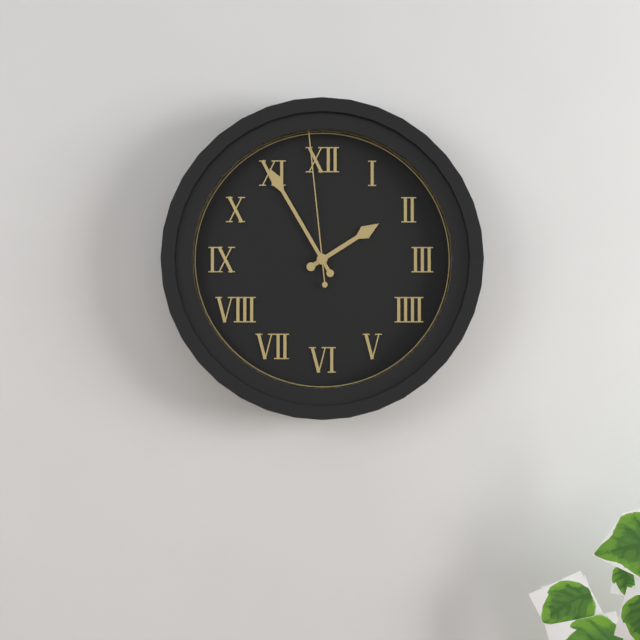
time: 1:55:59
